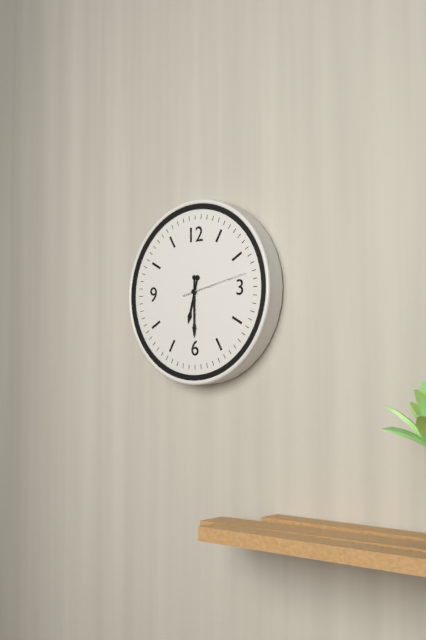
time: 6:30:13
